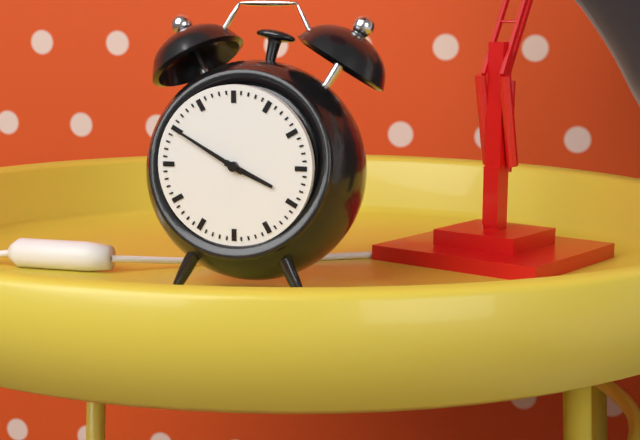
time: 3:50
